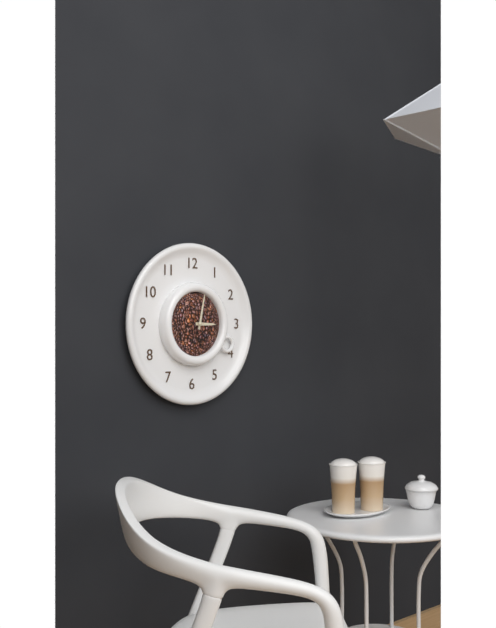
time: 3:02
